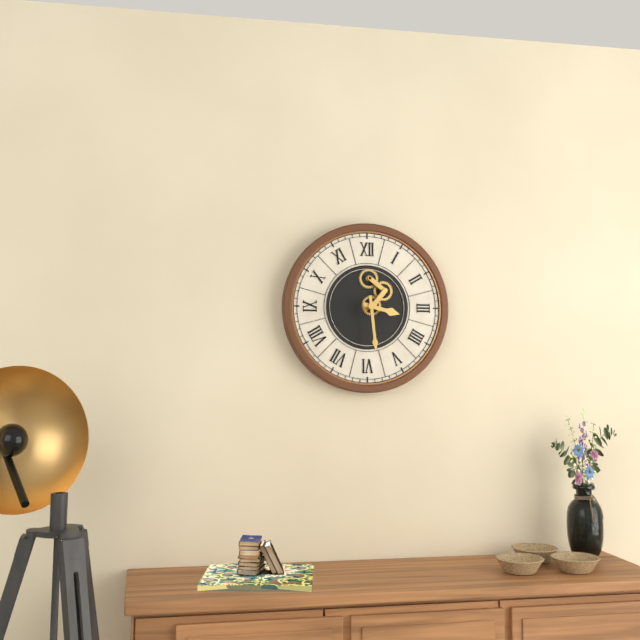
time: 3:29
